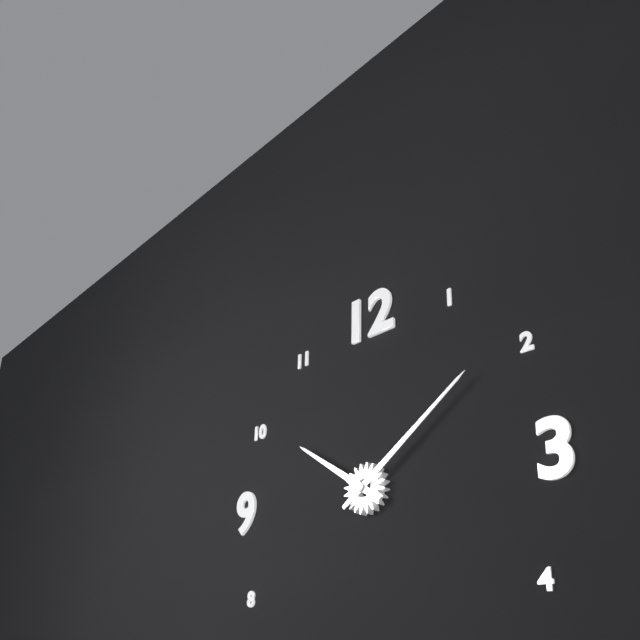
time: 10:09
